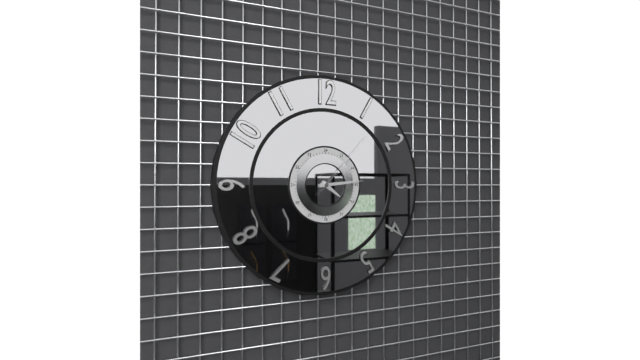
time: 4:14:07
